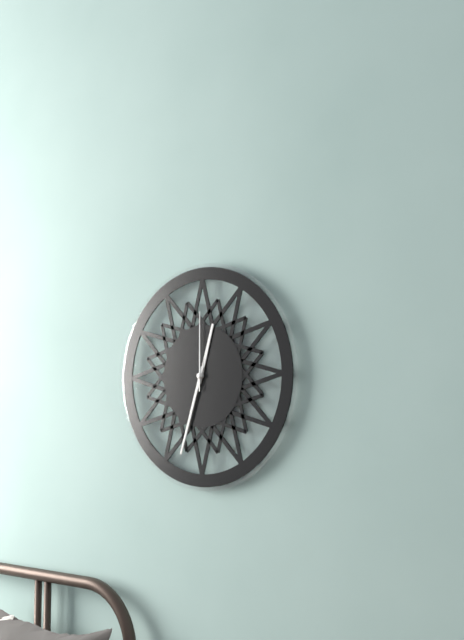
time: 12:33:00
